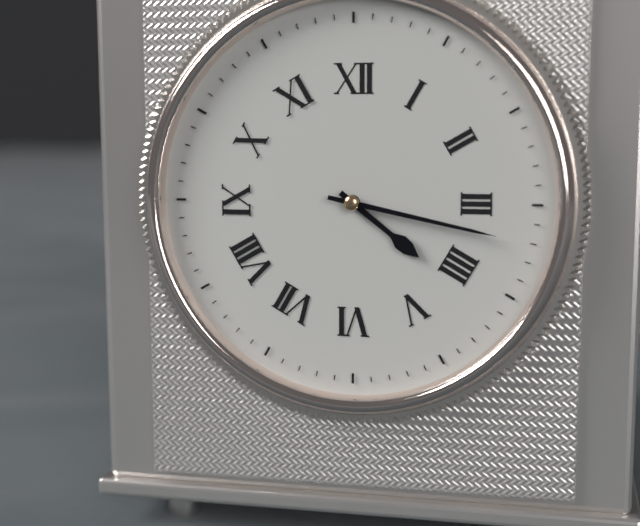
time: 4:17
